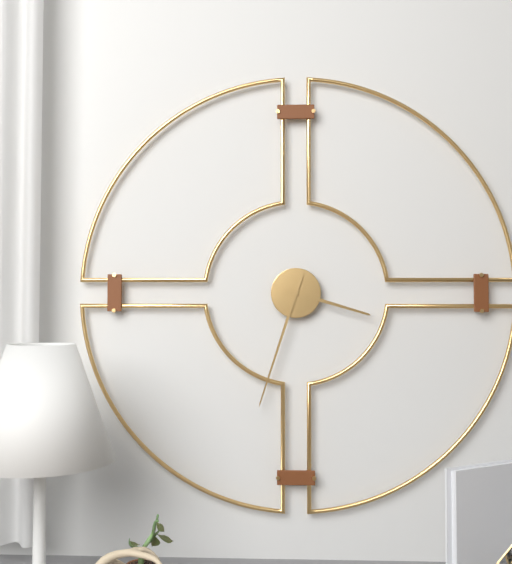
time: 3:33
